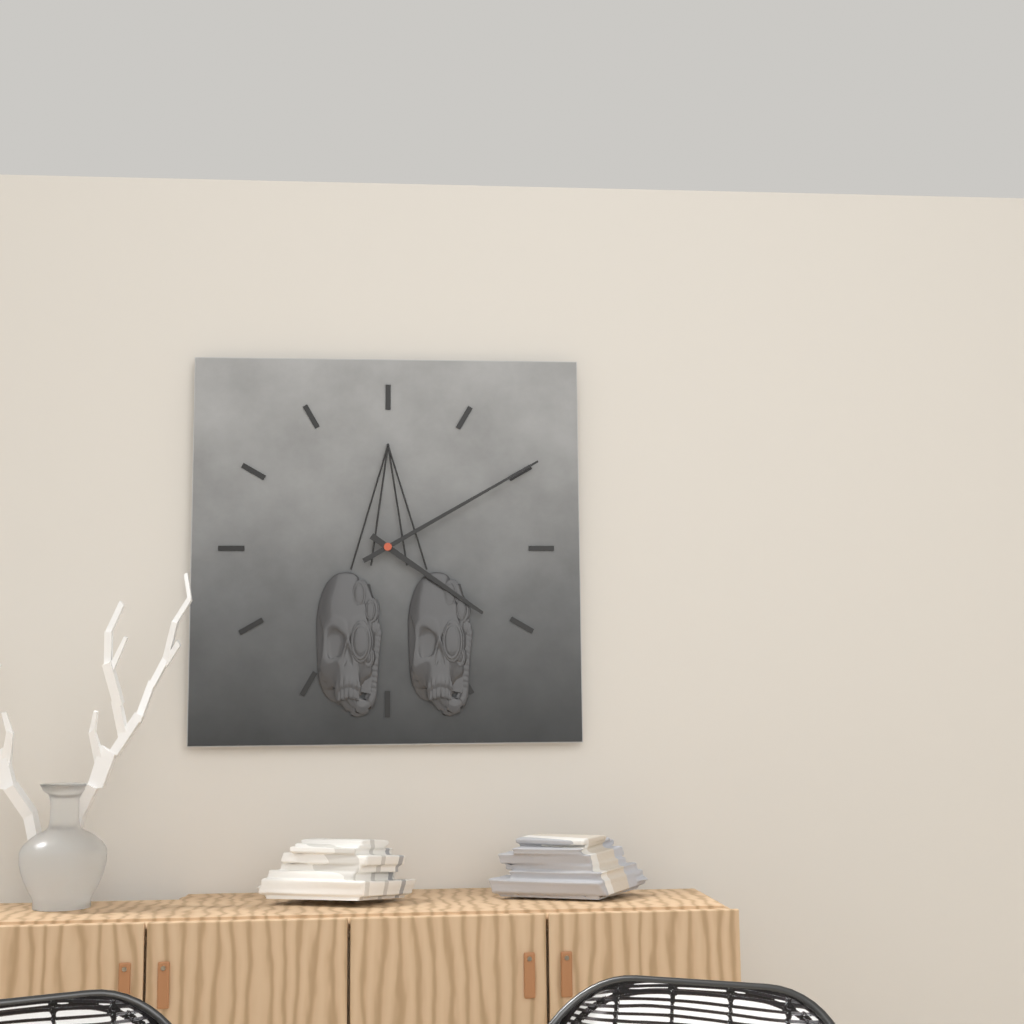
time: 4:10
